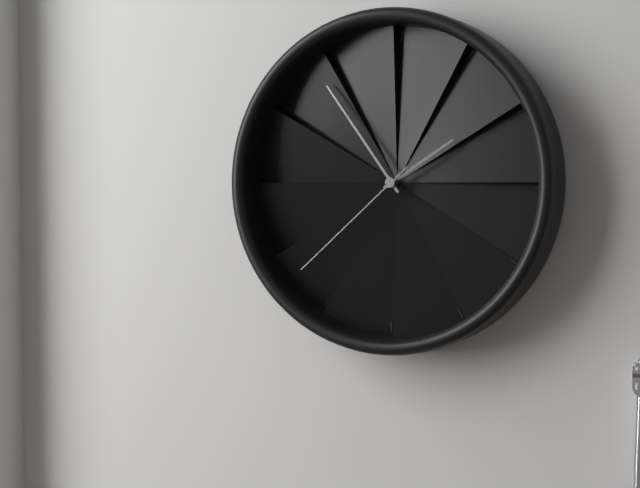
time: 1:54:38
